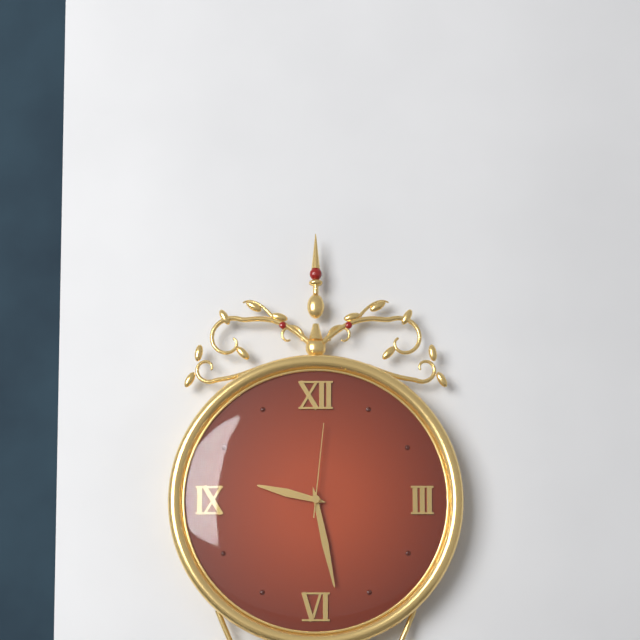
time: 9:28:01
